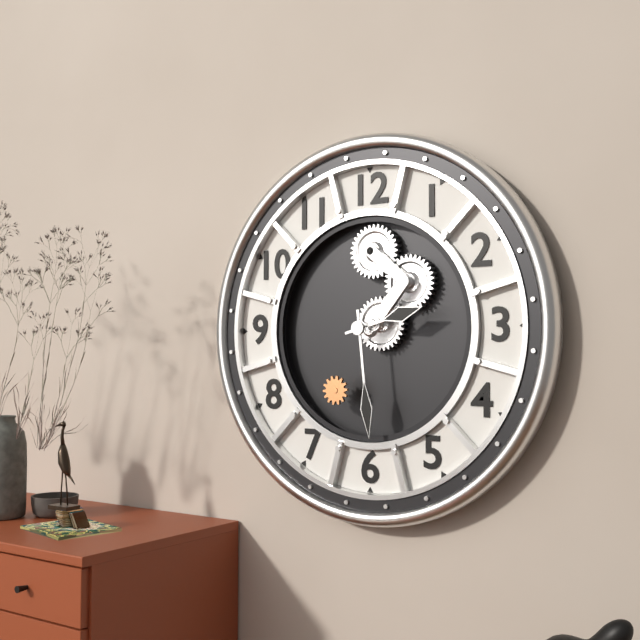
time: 2:29
